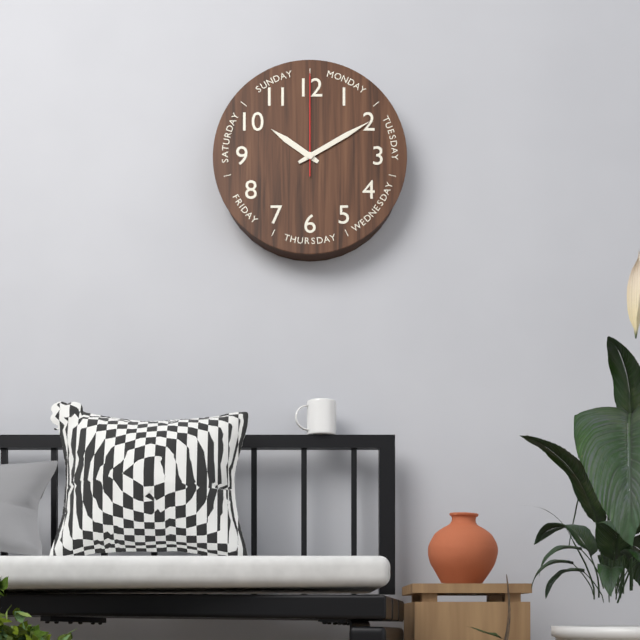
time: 10:10:00
